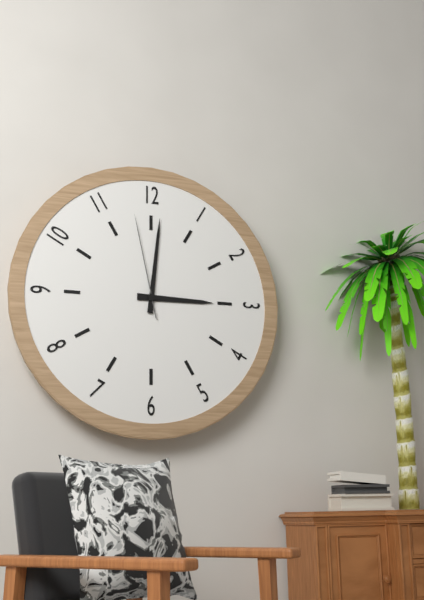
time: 3:01:58
